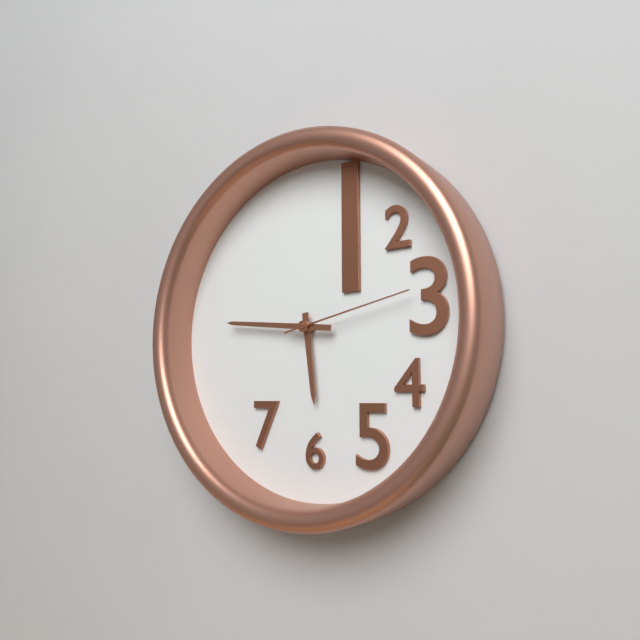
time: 5:46:13
